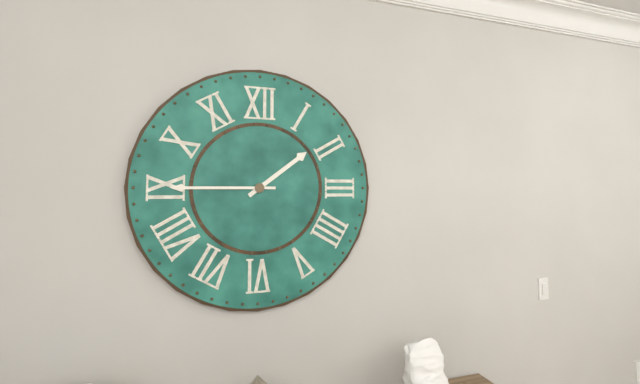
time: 1:45
